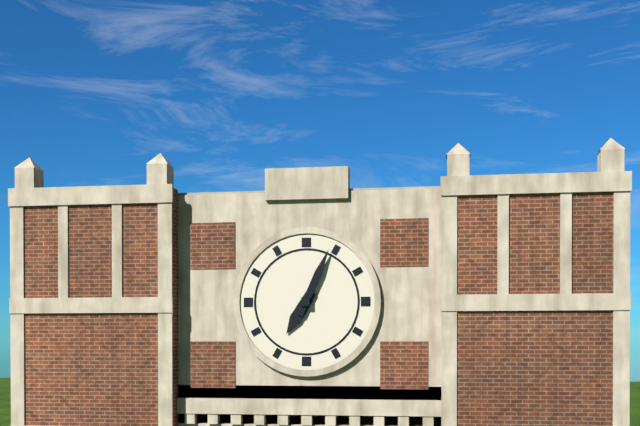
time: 7:04
